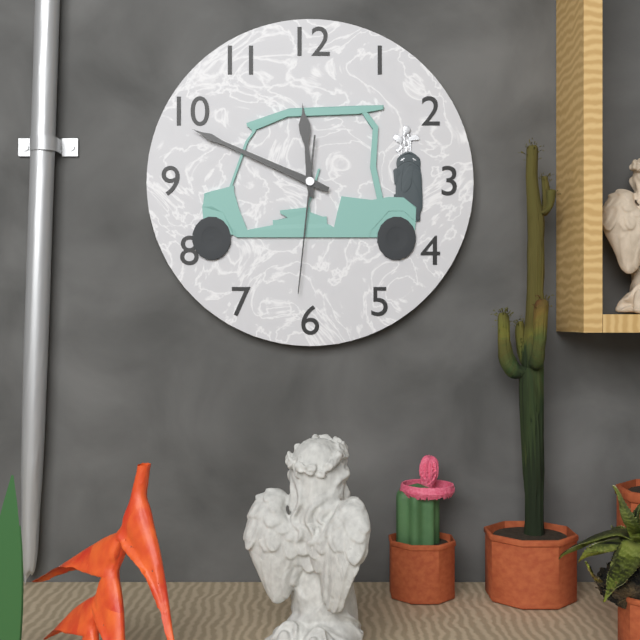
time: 11:49:31
